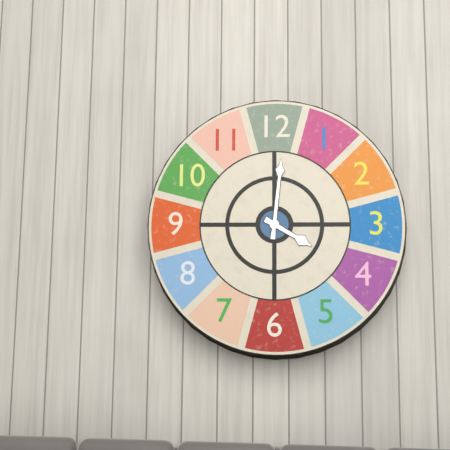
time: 4:01
